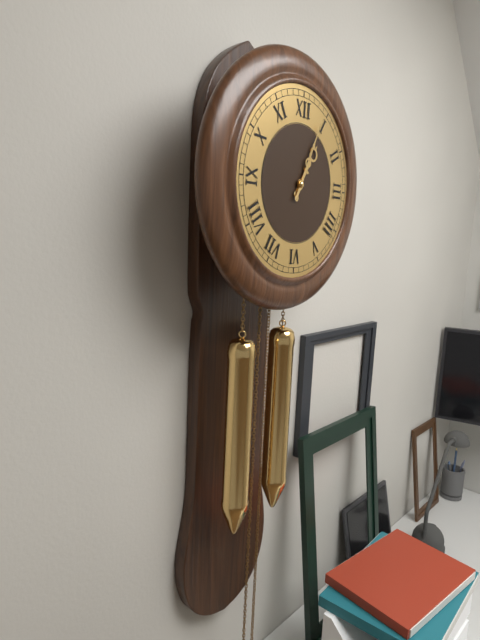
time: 1:04
